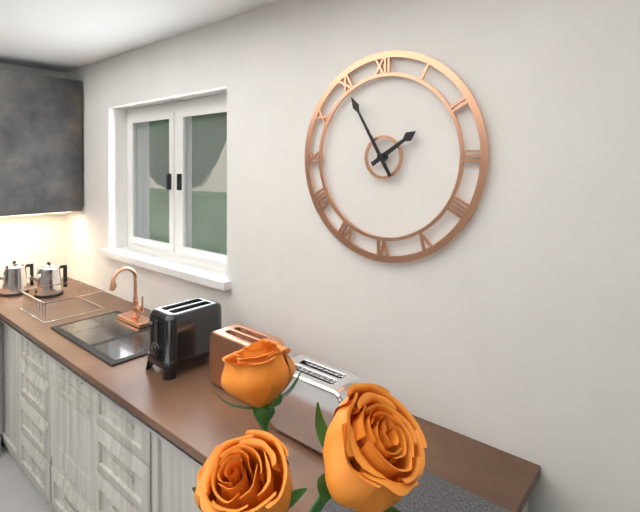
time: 1:55
